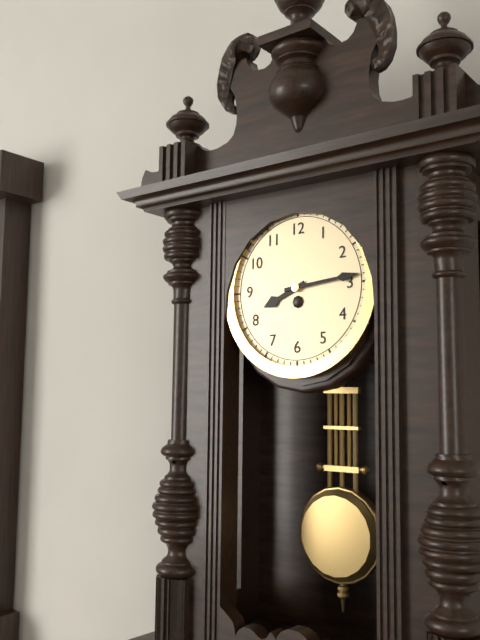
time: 8:14
